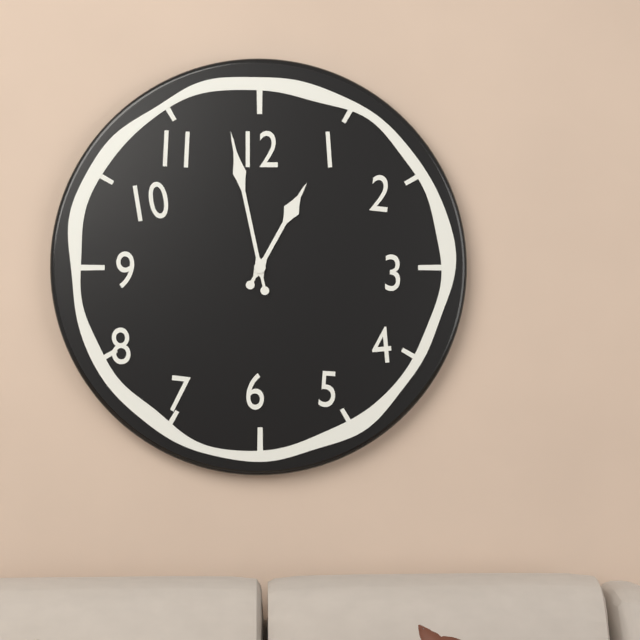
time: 12:58
